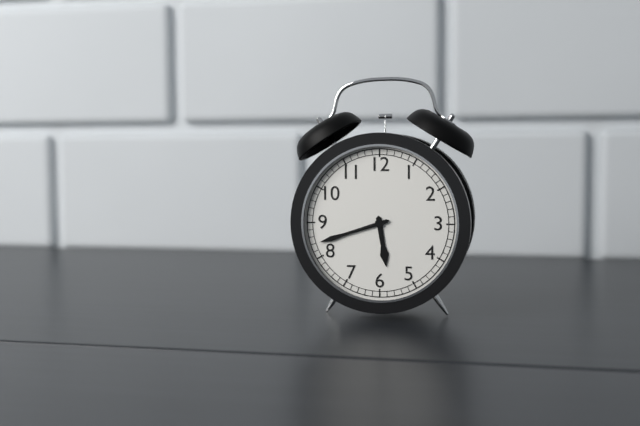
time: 5:42
